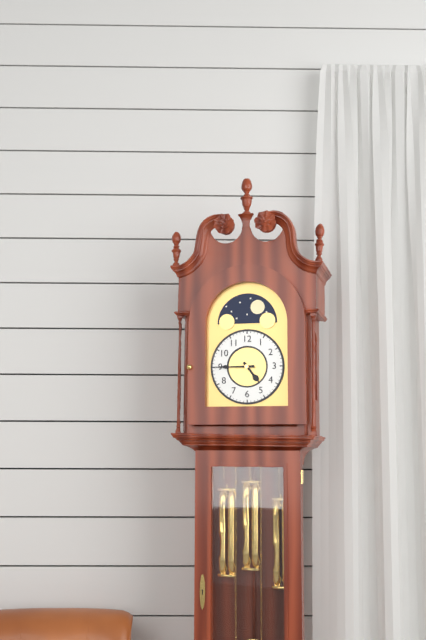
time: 4:45
